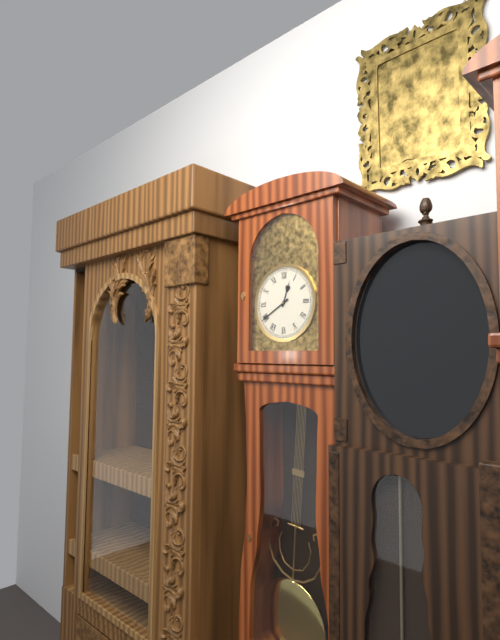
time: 12:40
